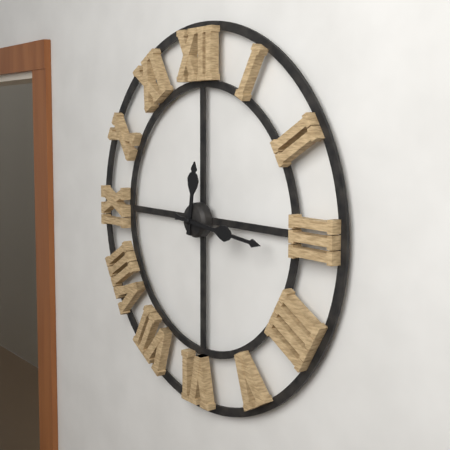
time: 12:16
